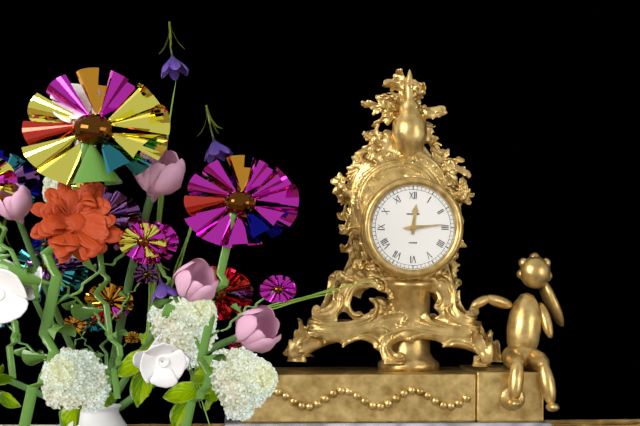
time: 12:14
